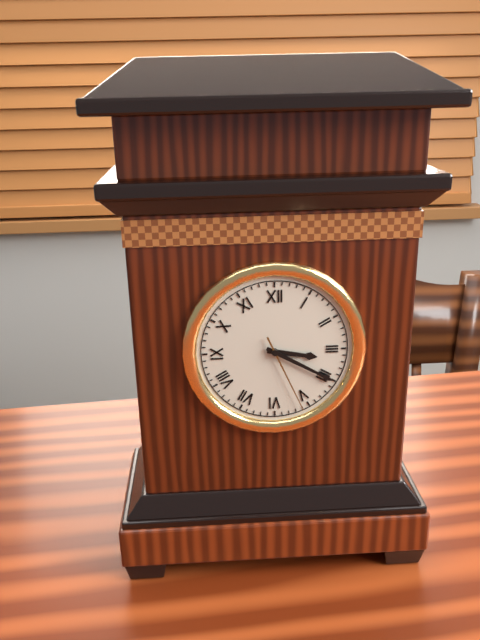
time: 3:20:26
